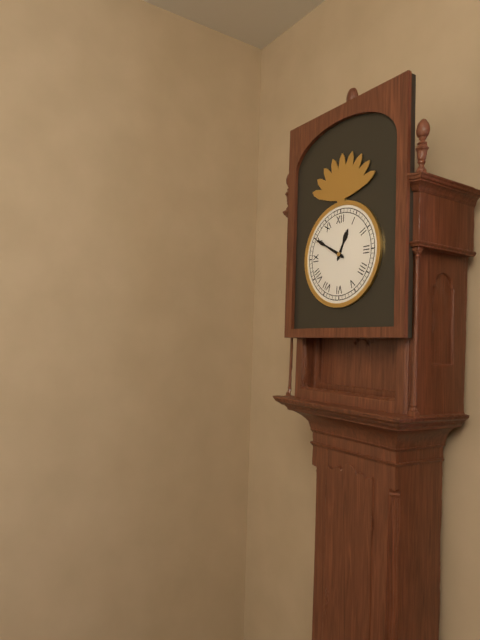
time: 12:50
